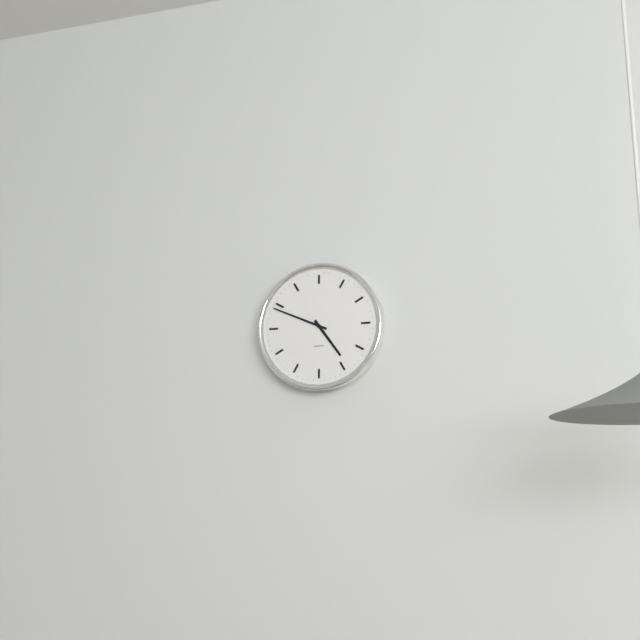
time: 4:49
